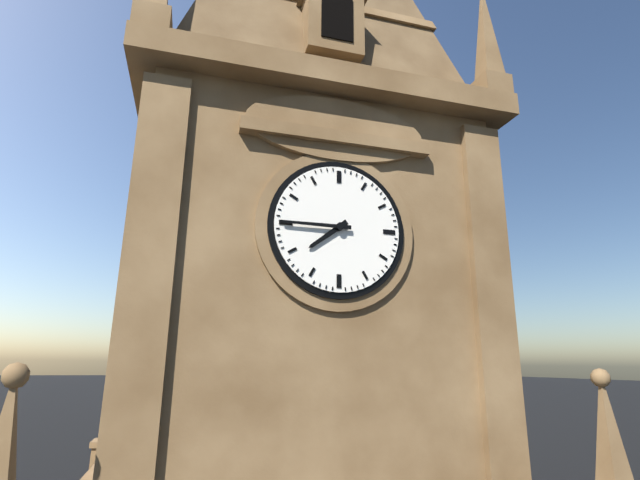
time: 7:45
